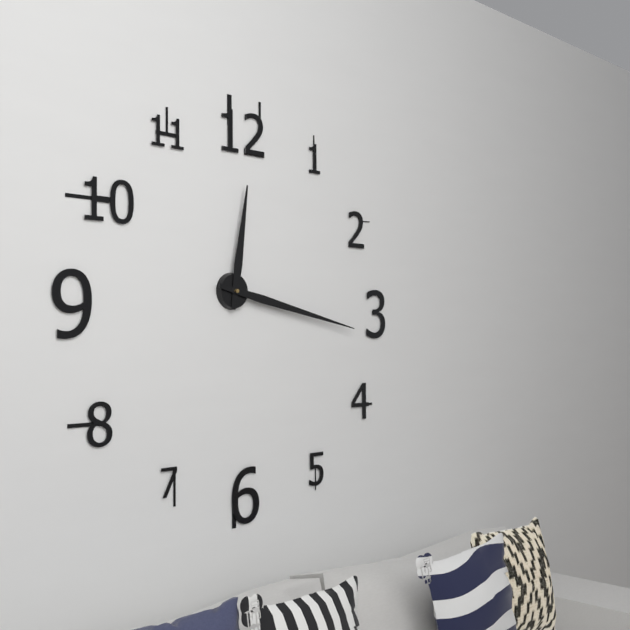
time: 12:17
